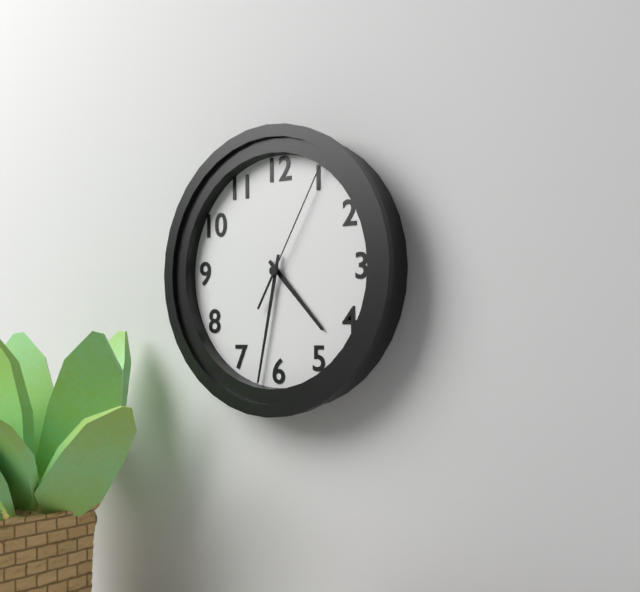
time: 4:32:05
